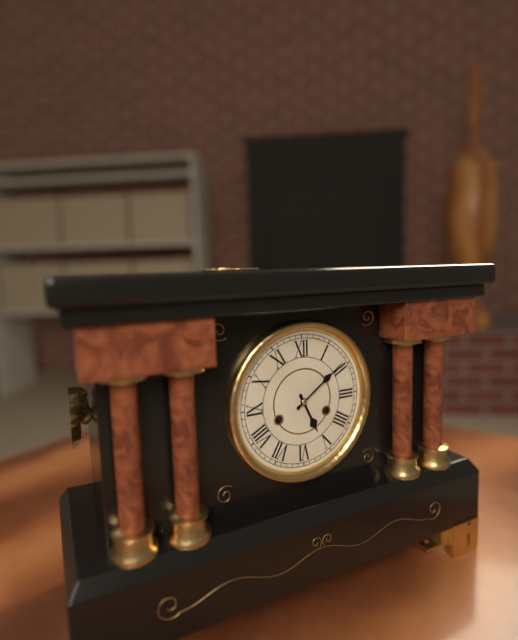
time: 5:09
